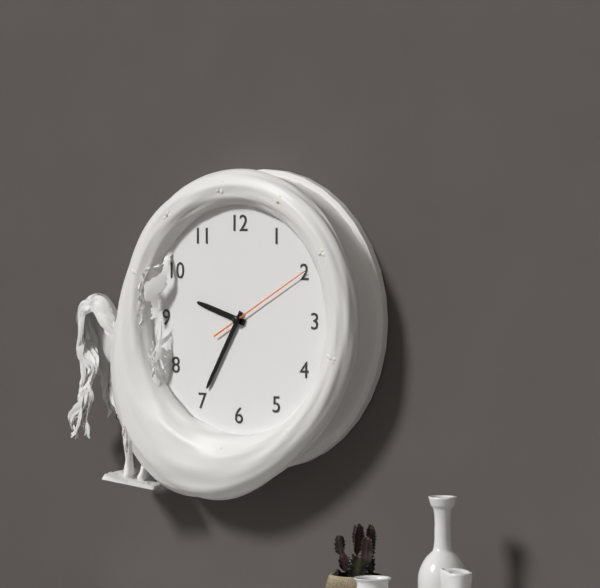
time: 9:35:10
